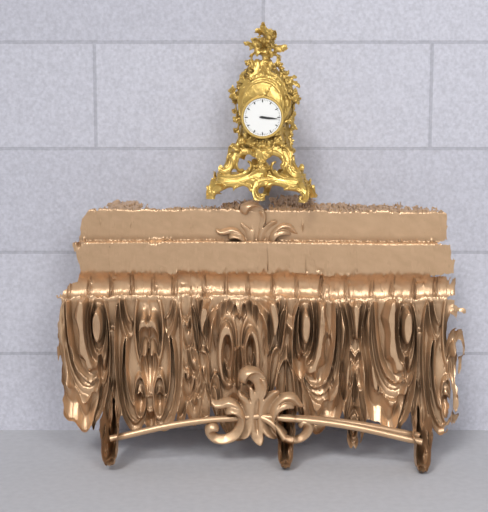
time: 3:16
